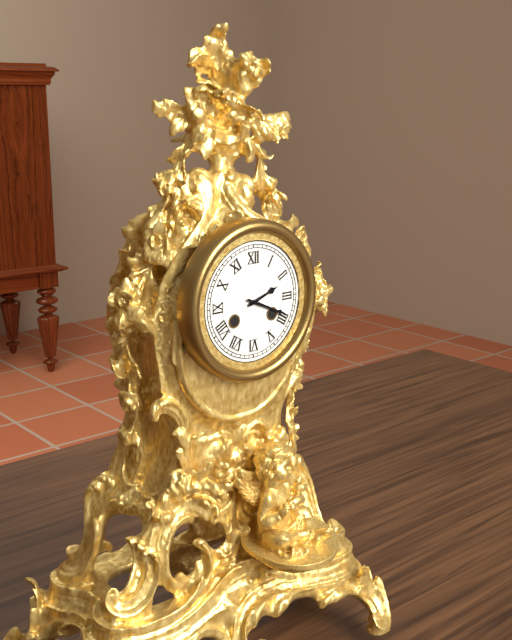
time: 2:19
